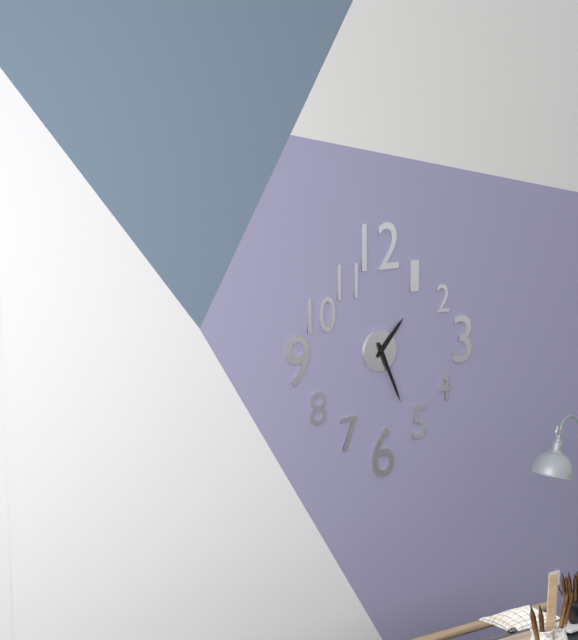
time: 1:26
